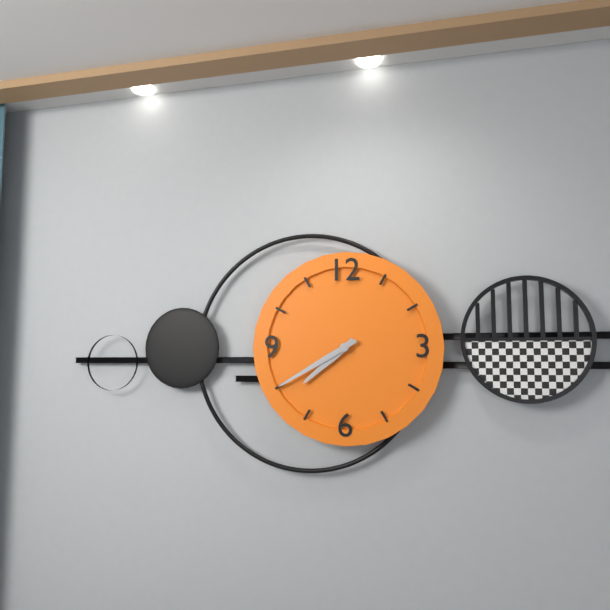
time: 7:40
